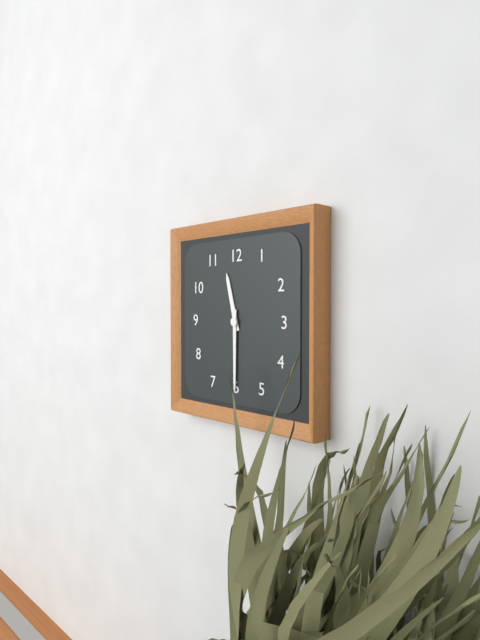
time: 11:30
